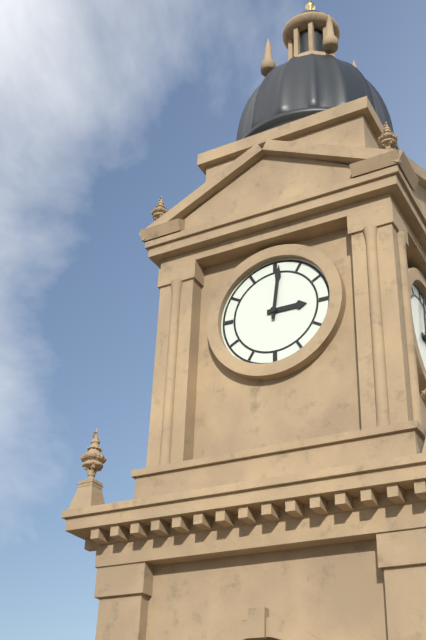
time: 3:01
